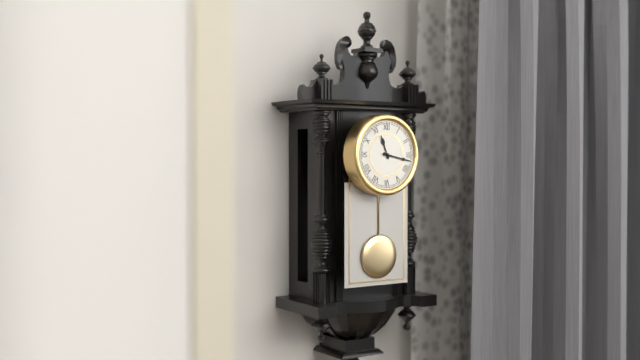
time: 11:17
